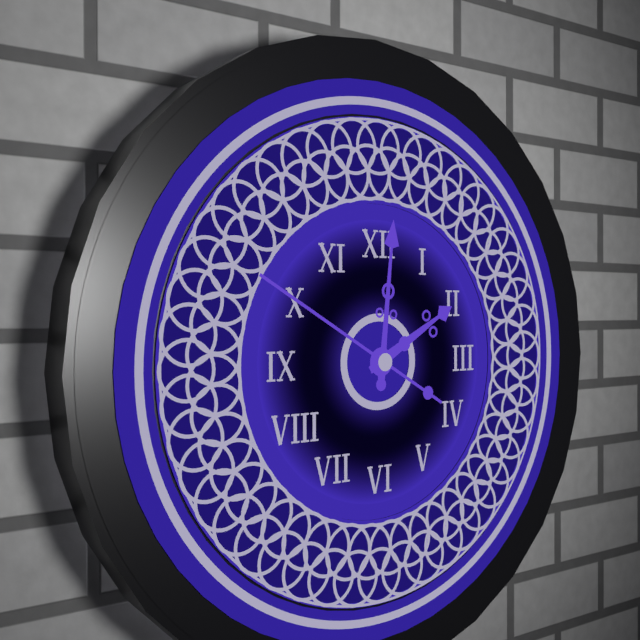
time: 2:01:50
